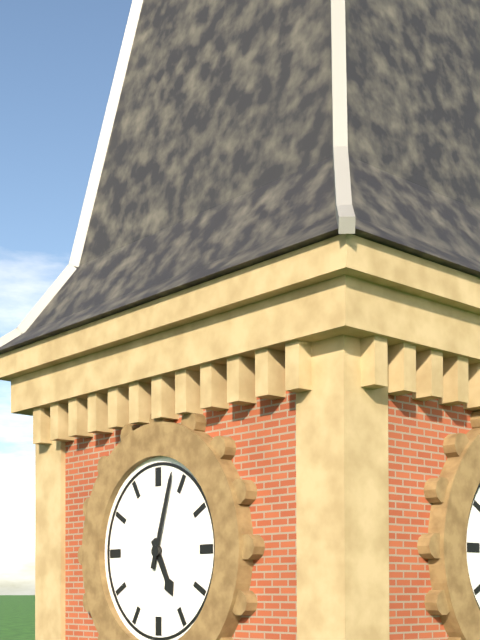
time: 5:03
